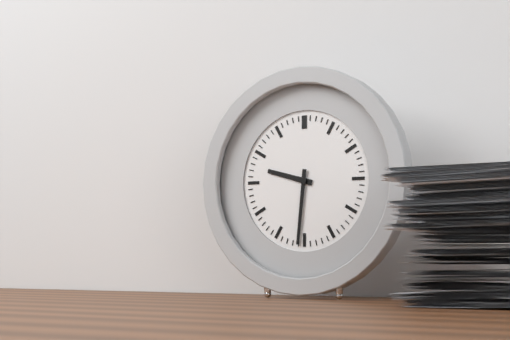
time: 9:31
